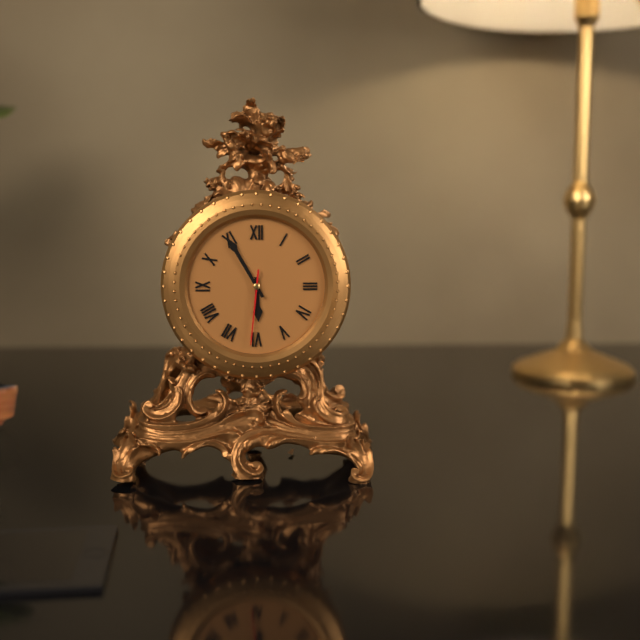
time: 5:55:31
